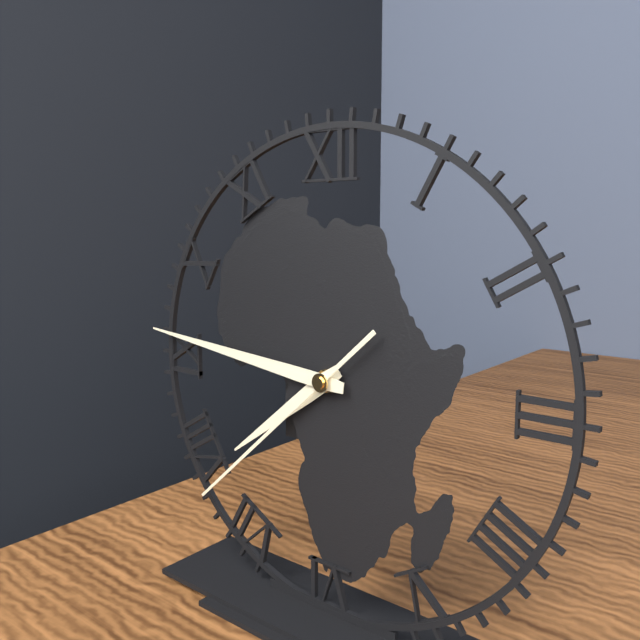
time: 7:46:38
